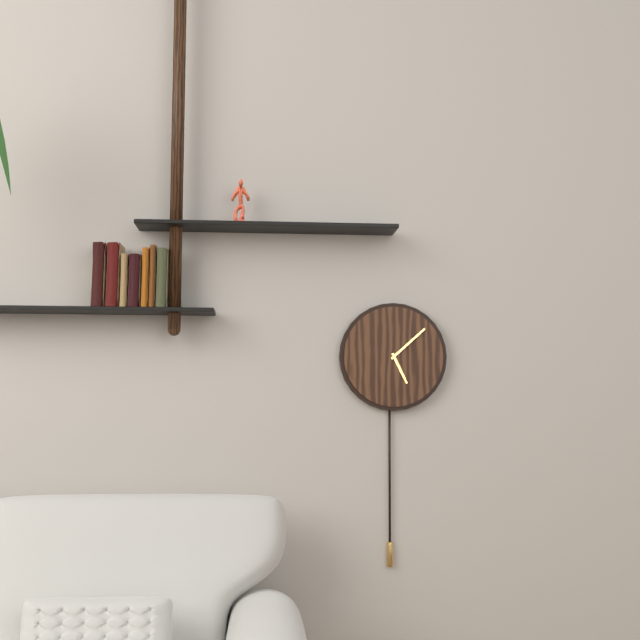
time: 5:08
